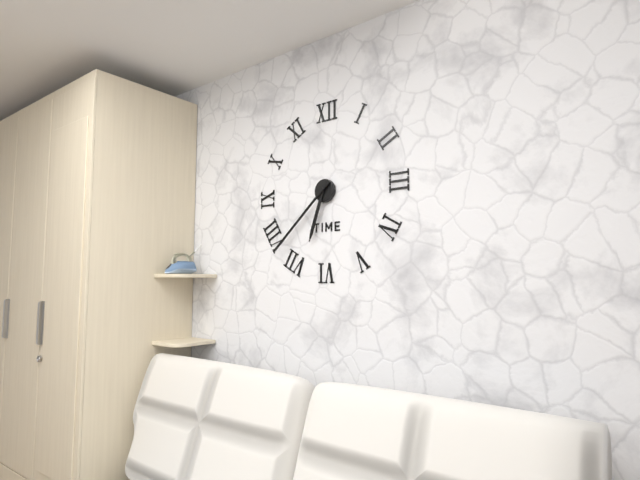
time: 6:38
